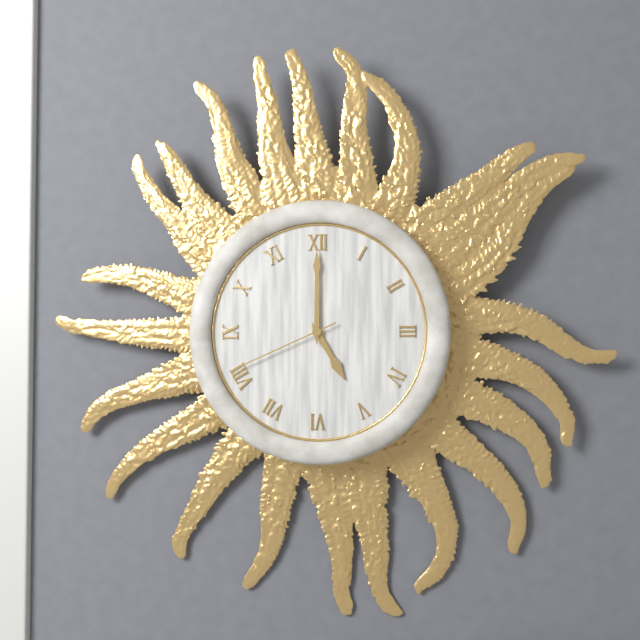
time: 5:00:41
